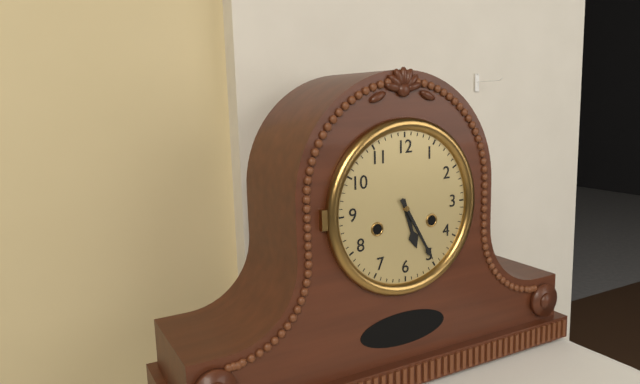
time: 5:25
